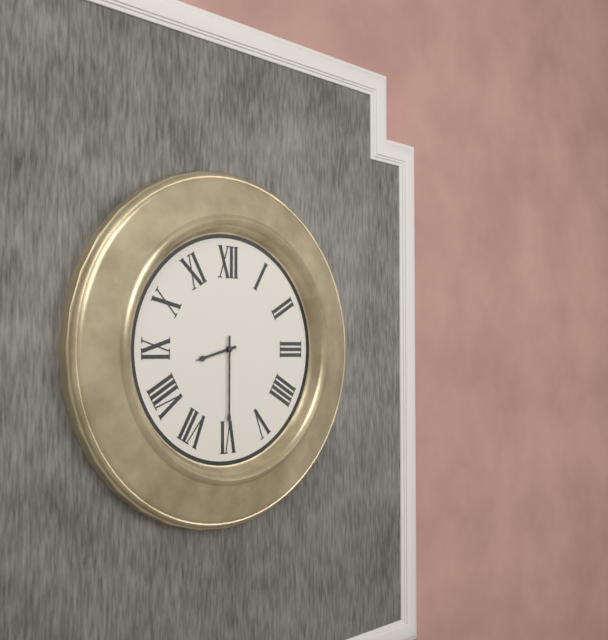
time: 8:30
